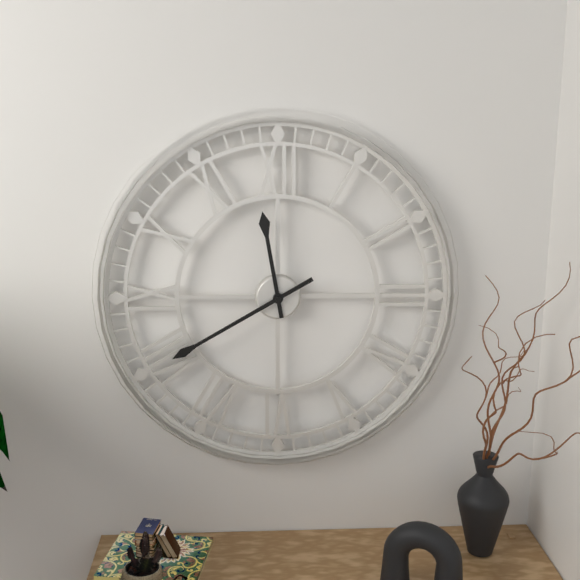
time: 11:40
